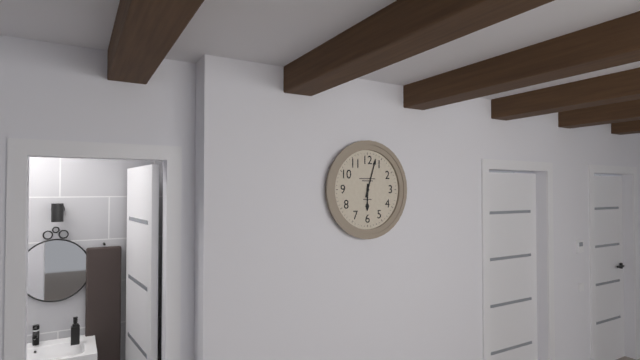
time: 6:03
